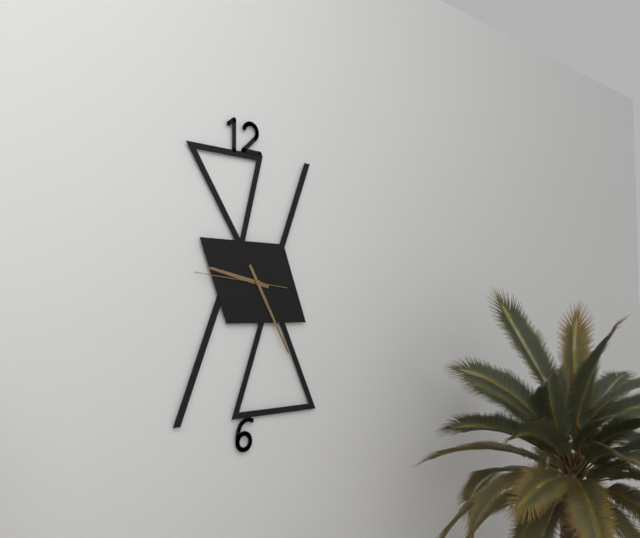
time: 9:25:46
